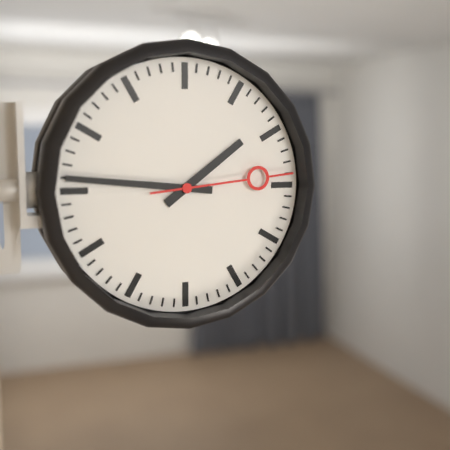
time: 1:46:14
